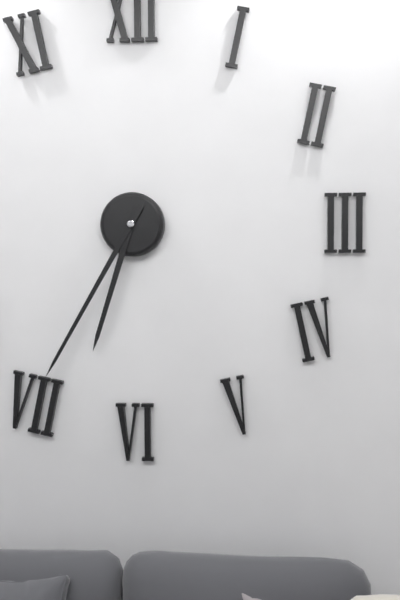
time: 6:35
